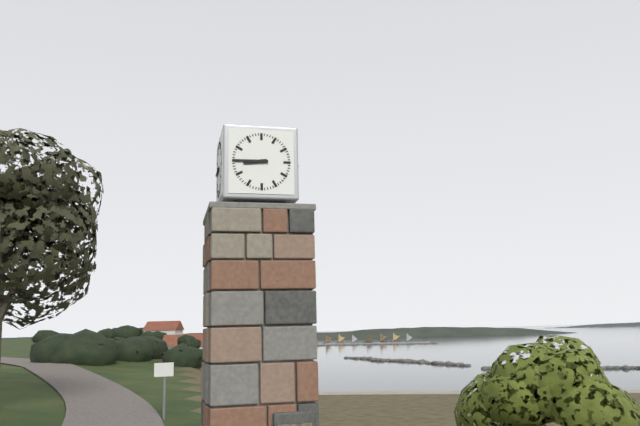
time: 8:45
